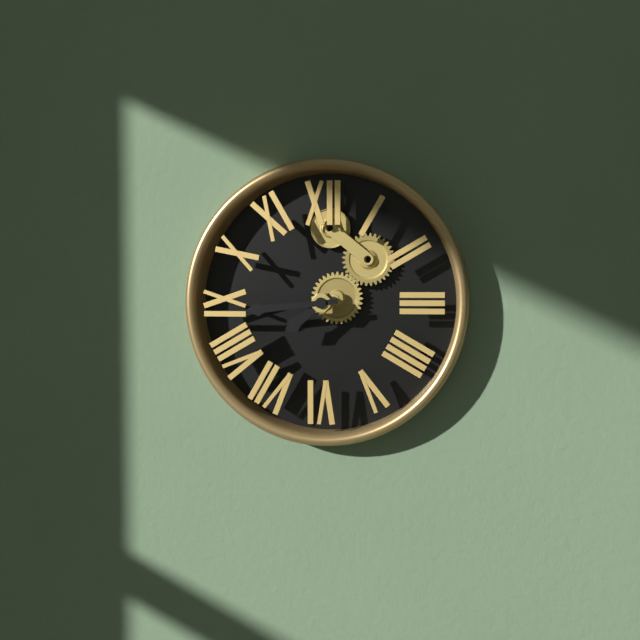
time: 7:44
